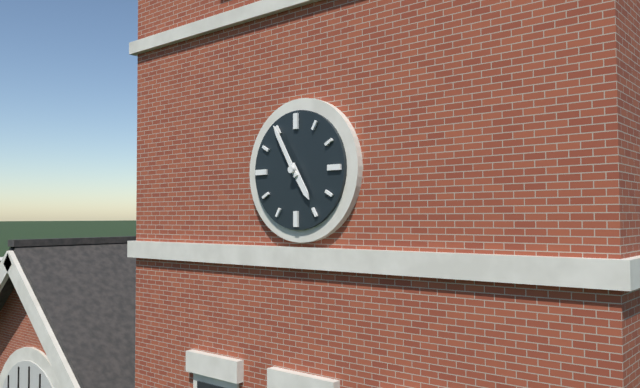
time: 4:55
